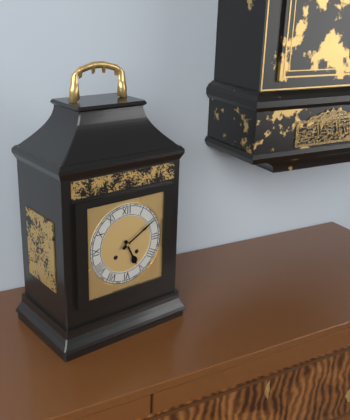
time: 5:10
